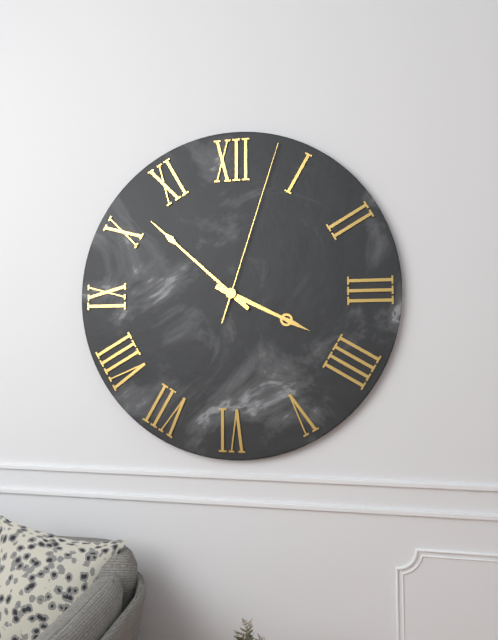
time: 3:52:03
